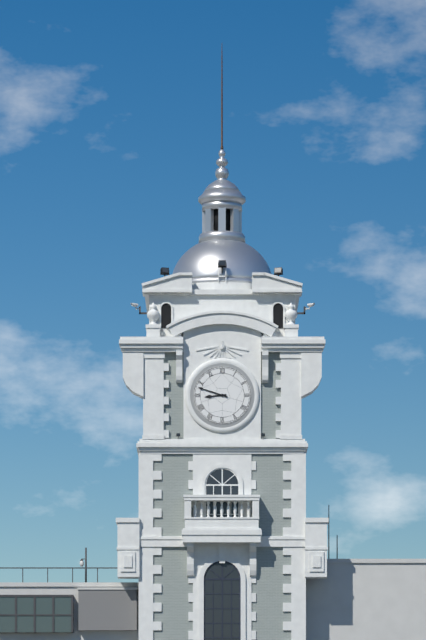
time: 8:48
